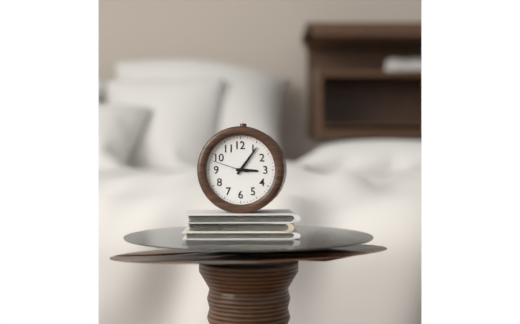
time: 3:06
